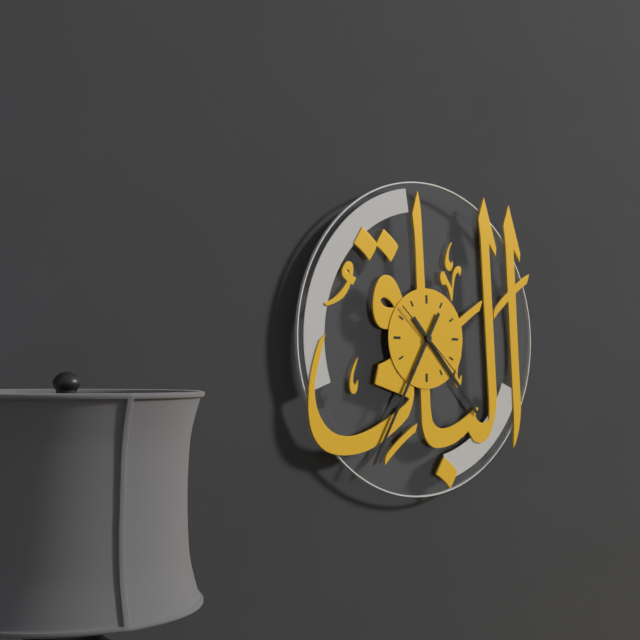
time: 4:35:22
